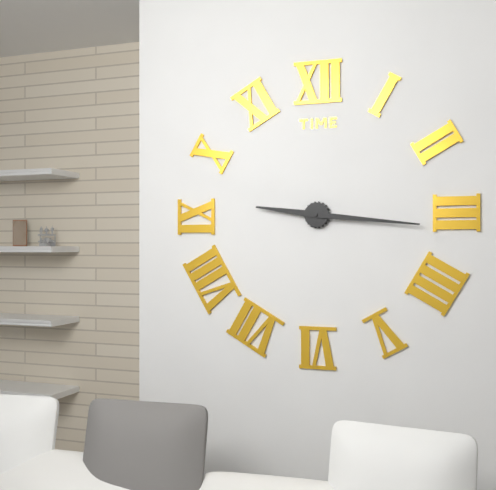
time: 9:16
